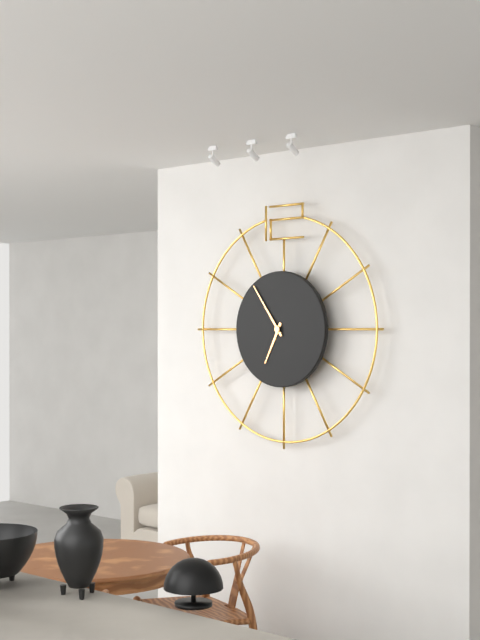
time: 6:54
